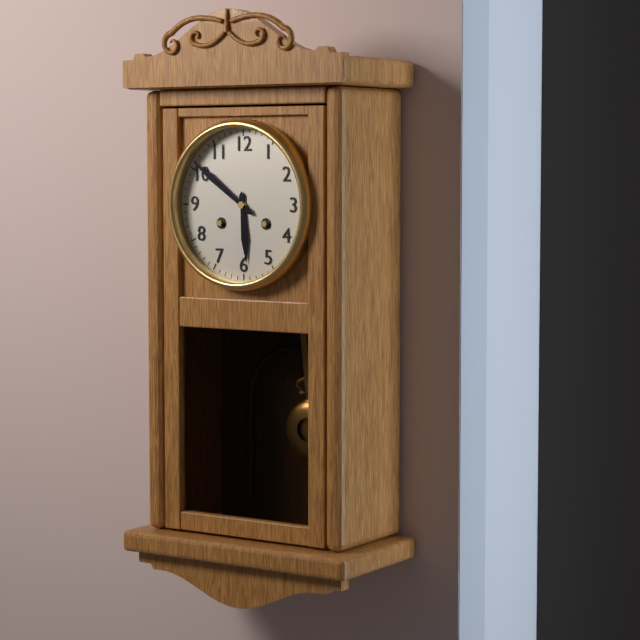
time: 5:51
